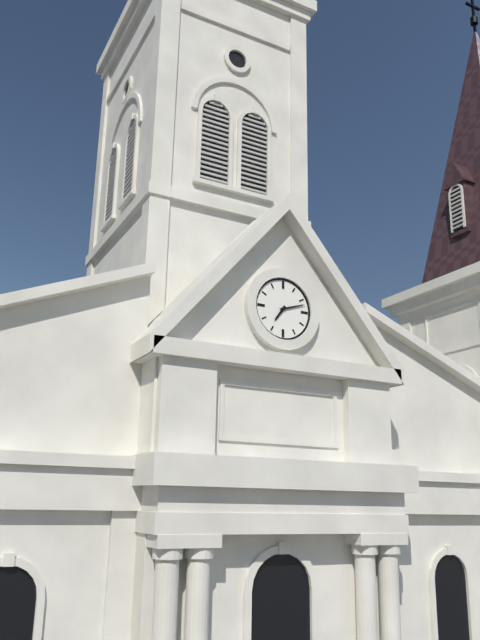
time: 7:12
